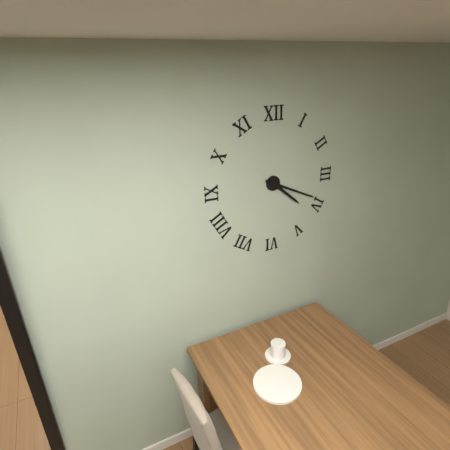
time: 4:19
